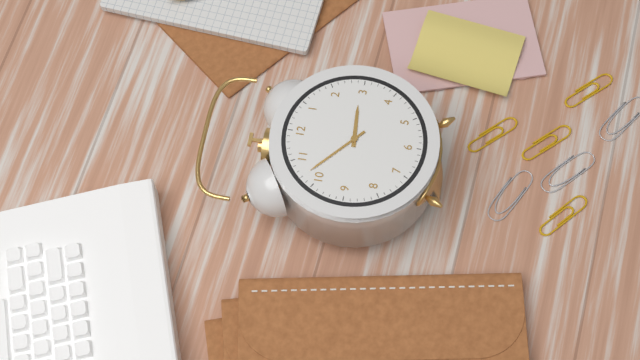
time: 2:52
